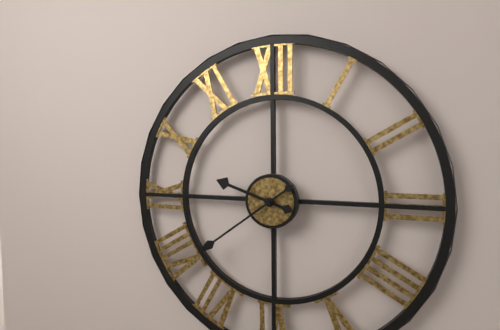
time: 9:39
